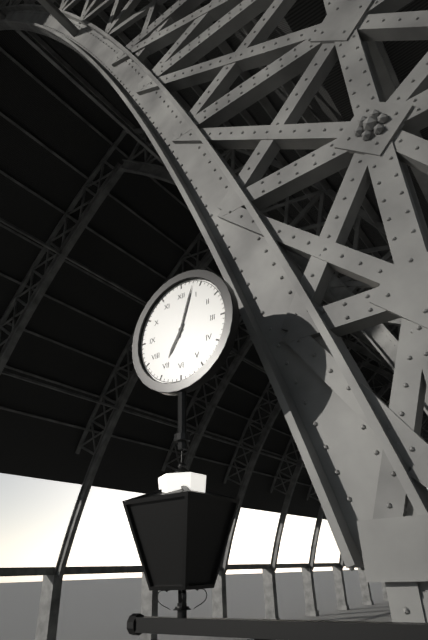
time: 7:03
